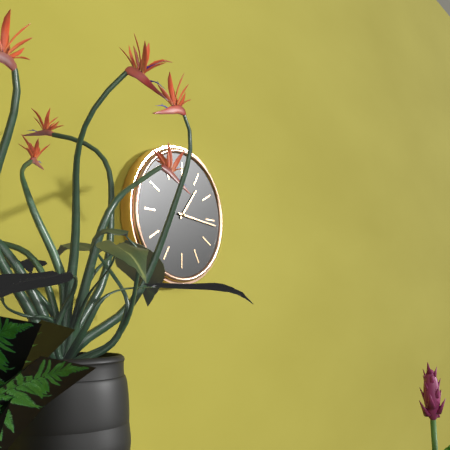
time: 1:16
